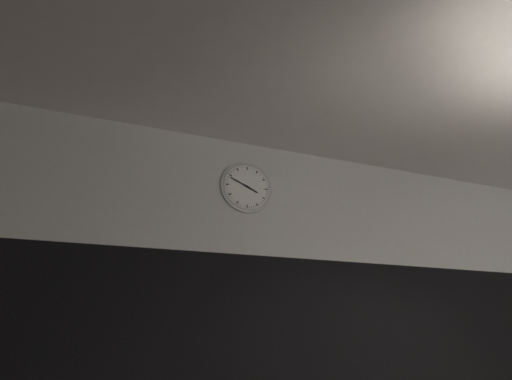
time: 3:49
